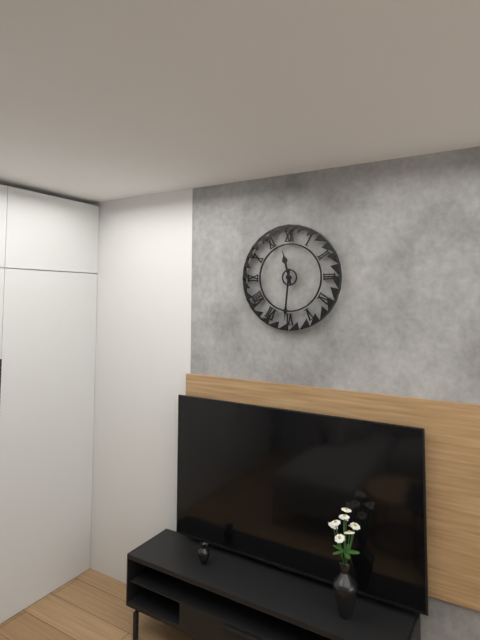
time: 11:31
